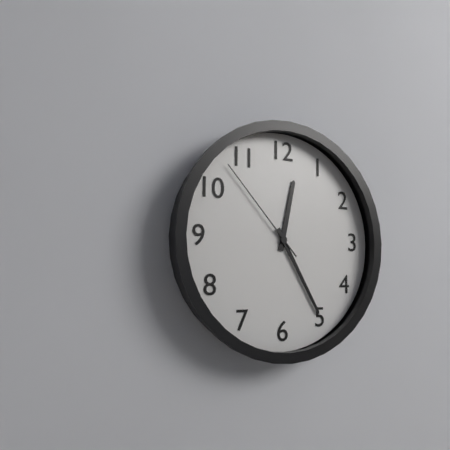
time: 12:25:53
